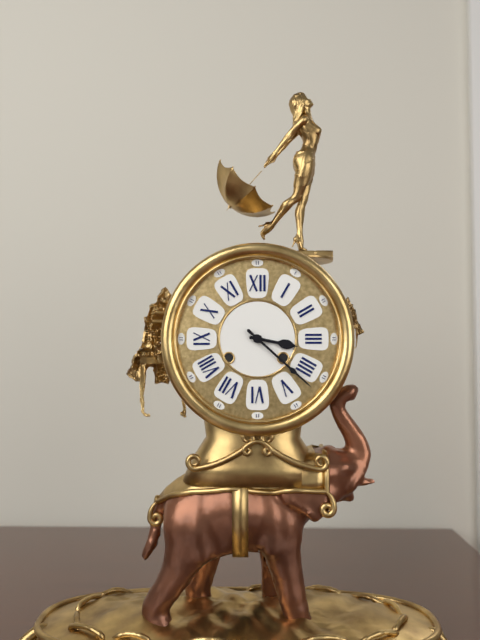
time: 3:22
